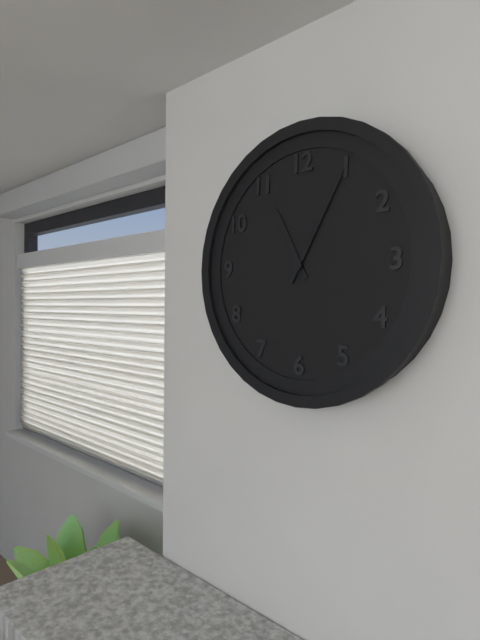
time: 11:05
